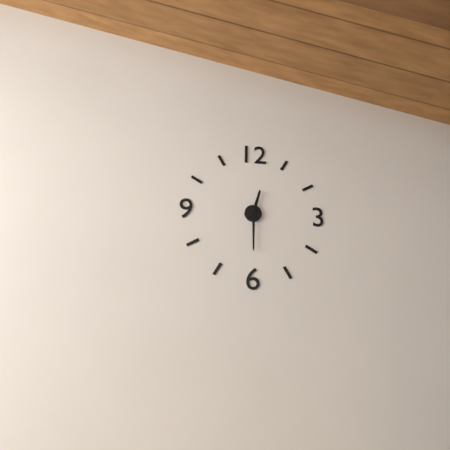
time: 12:30
